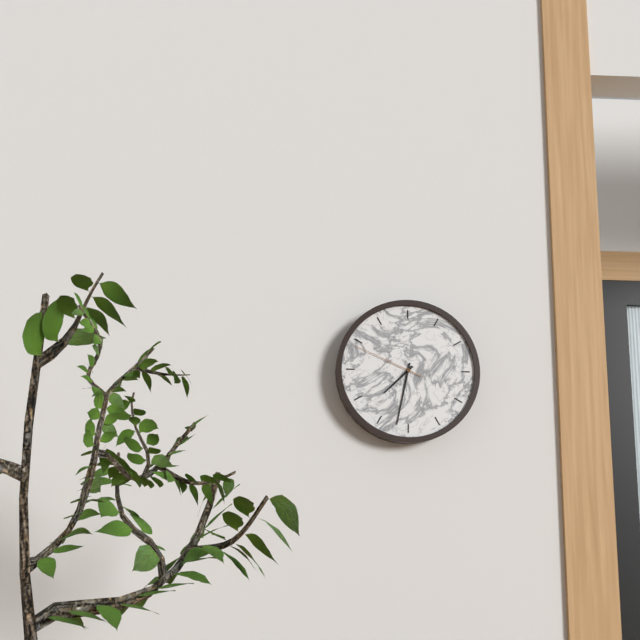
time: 7:32:49
